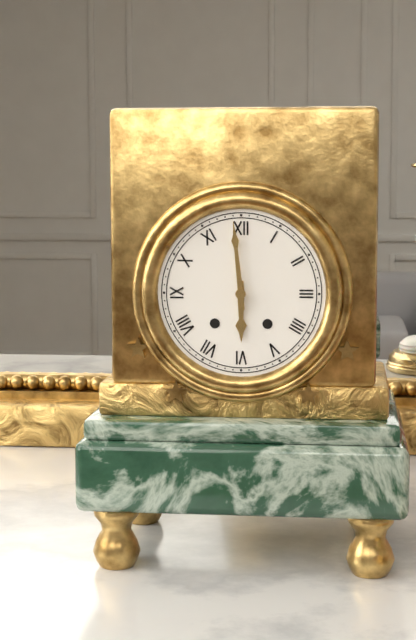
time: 5:59
